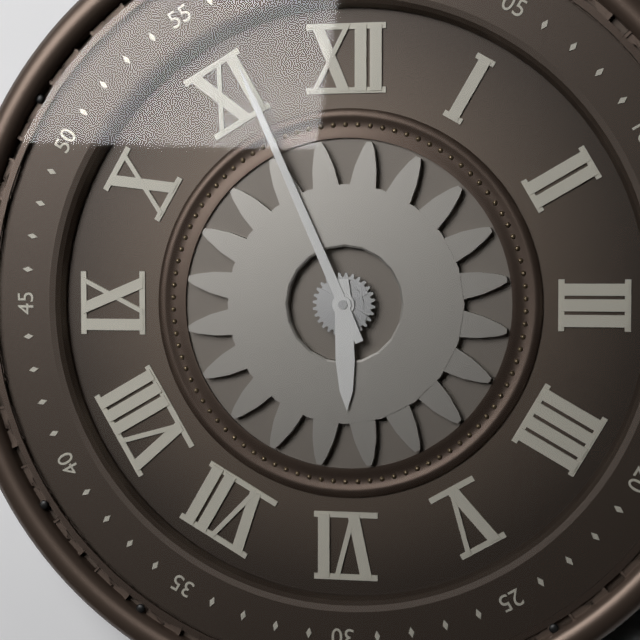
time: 5:56
